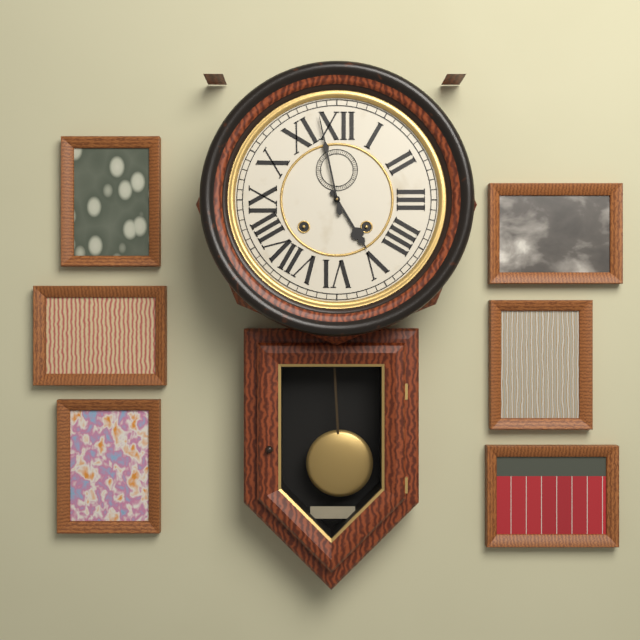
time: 4:58
